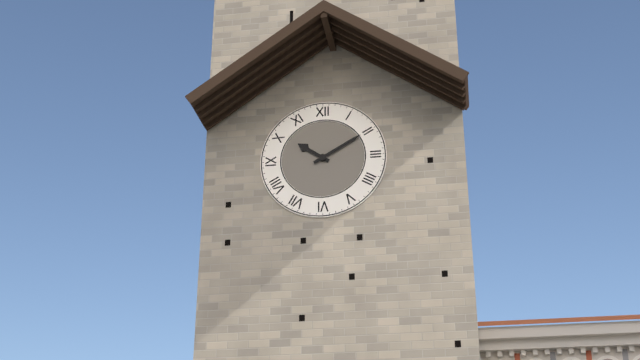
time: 10:10
